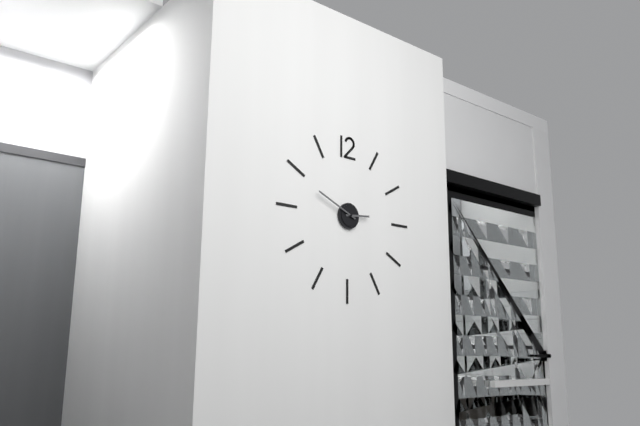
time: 2:49
